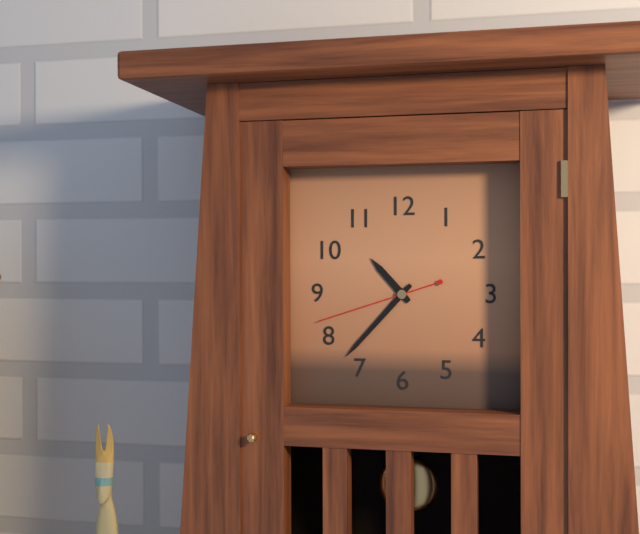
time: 10:37:42
